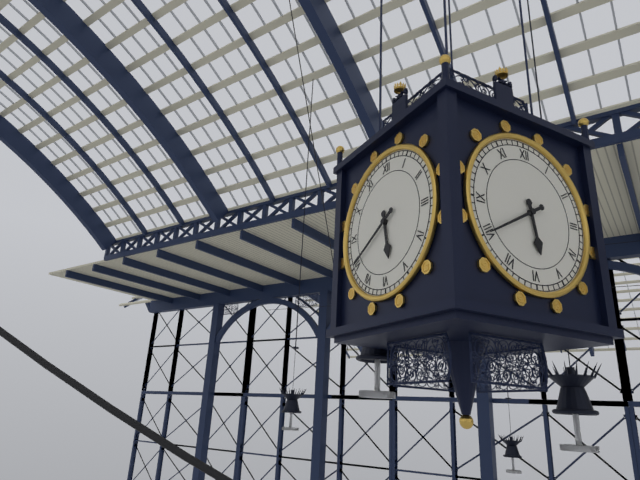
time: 5:40
